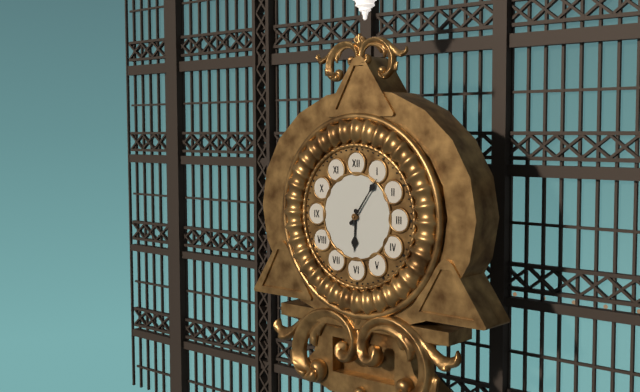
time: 6:06
